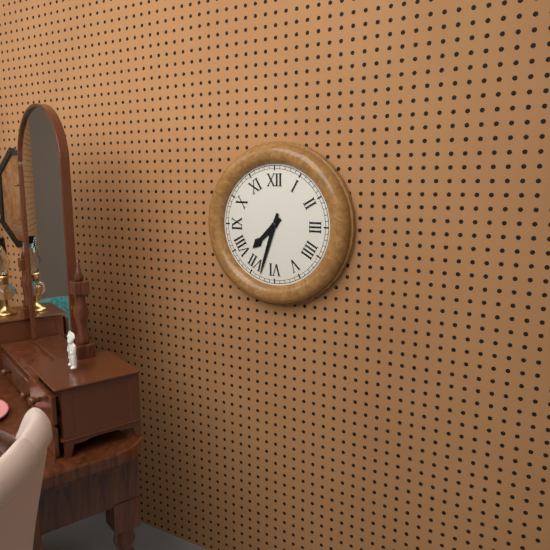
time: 7:33
